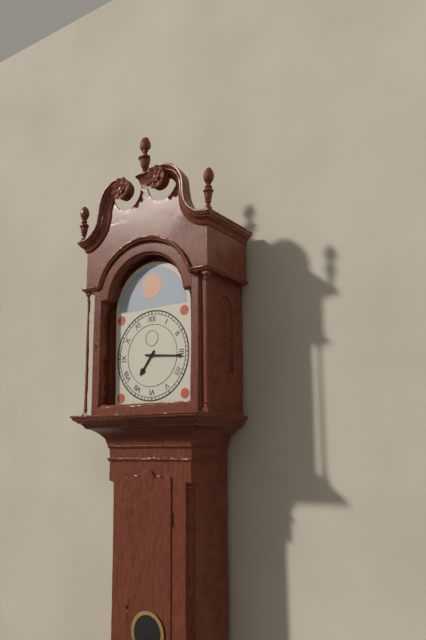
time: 7:16
